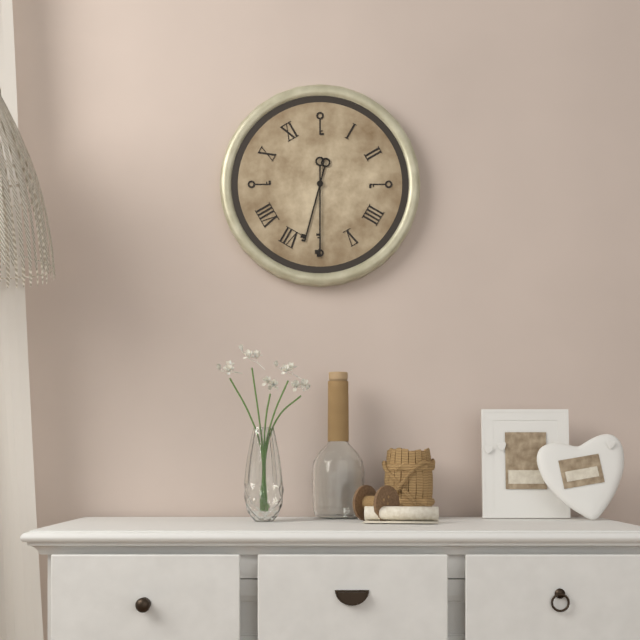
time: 6:30
